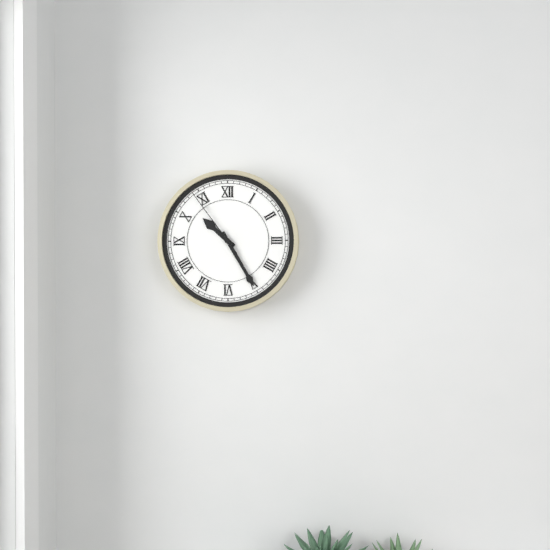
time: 10:25:54
